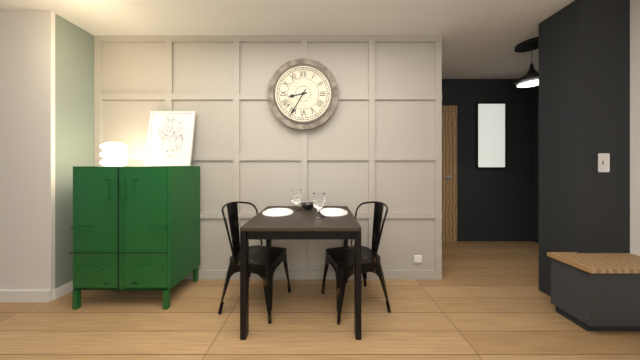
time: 8:35
